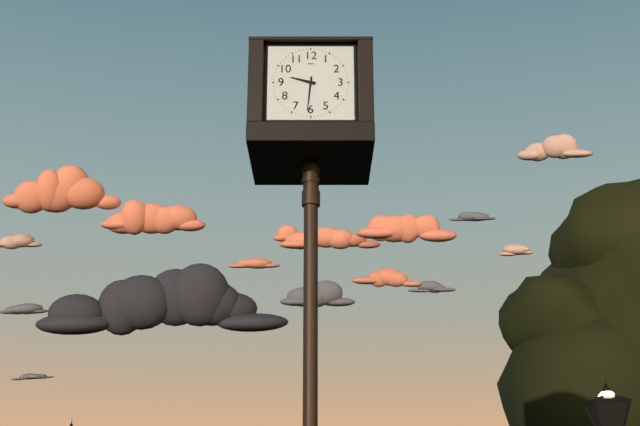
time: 9:31
